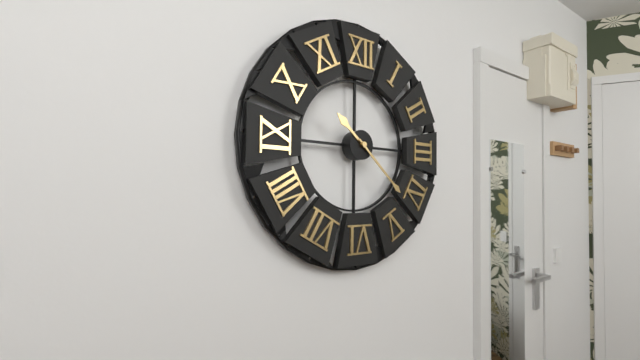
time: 10:22
